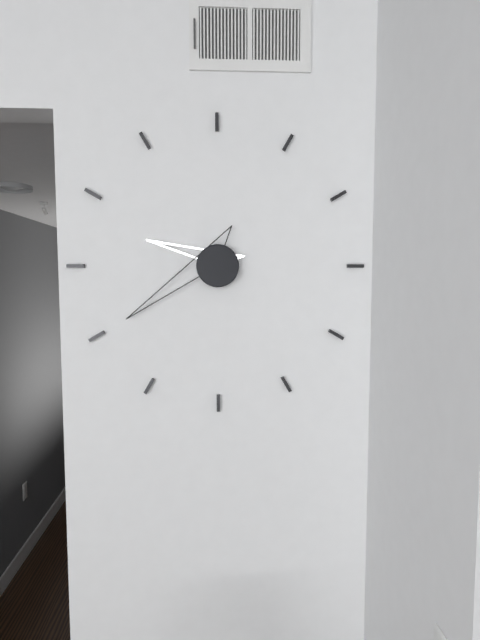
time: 9:40
